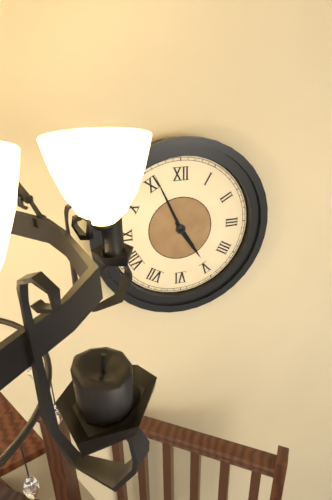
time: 4:56
